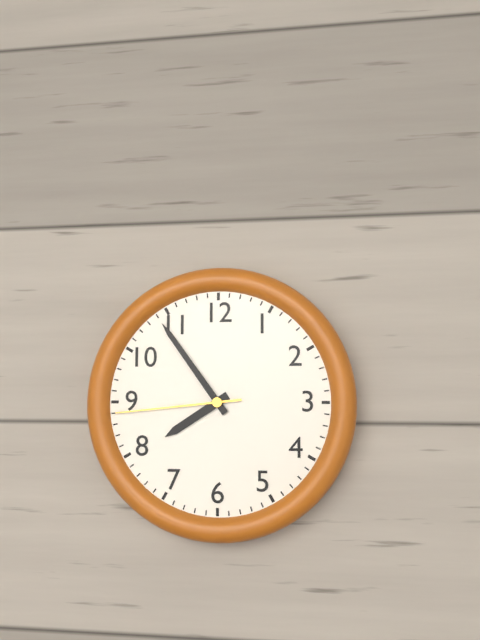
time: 7:54:44
